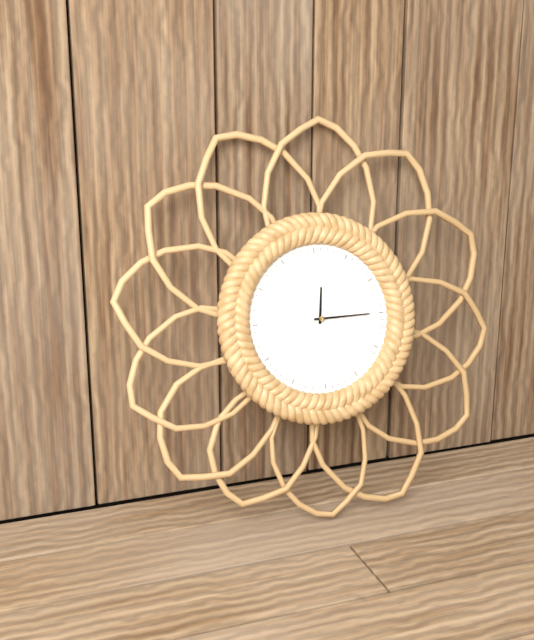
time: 12:15
